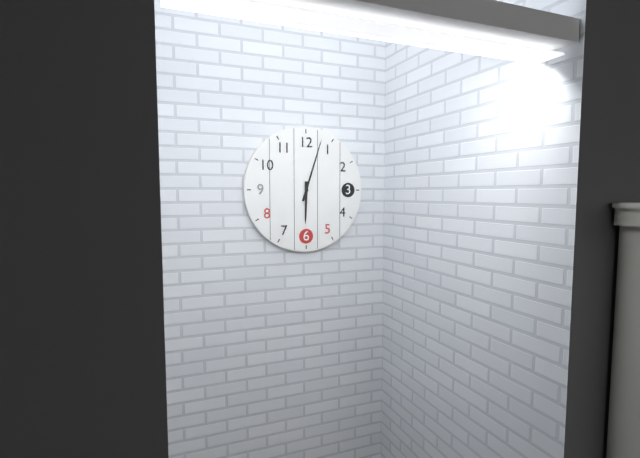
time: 6:03
